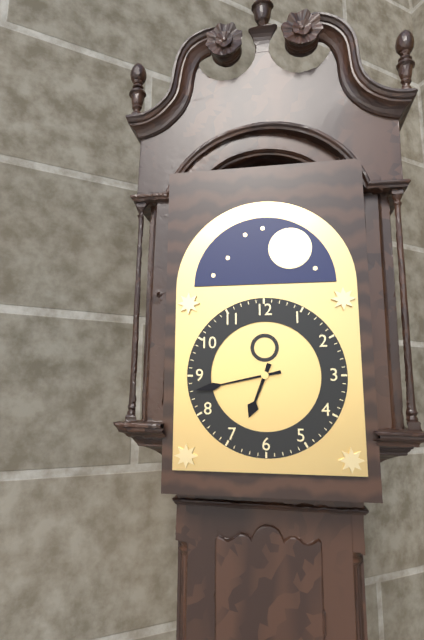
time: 6:43
